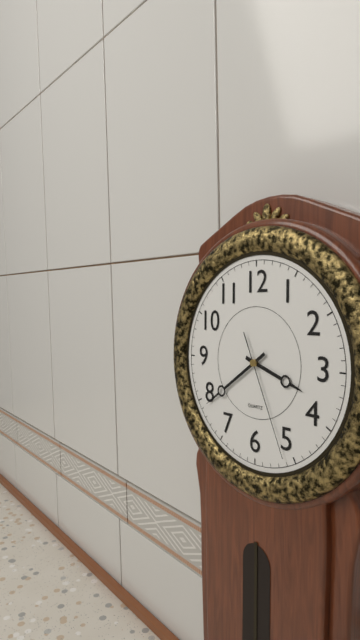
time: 3:39:26
